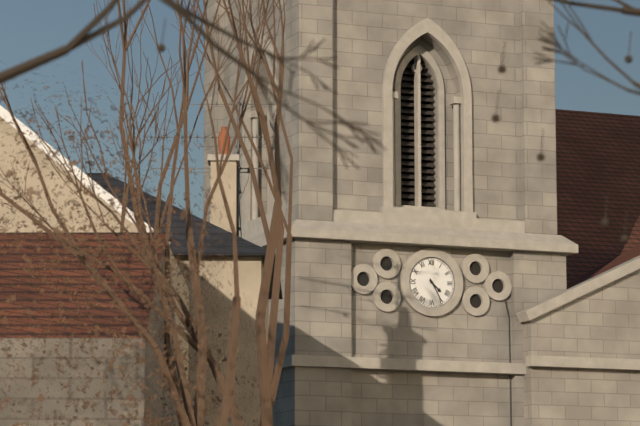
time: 4:25
